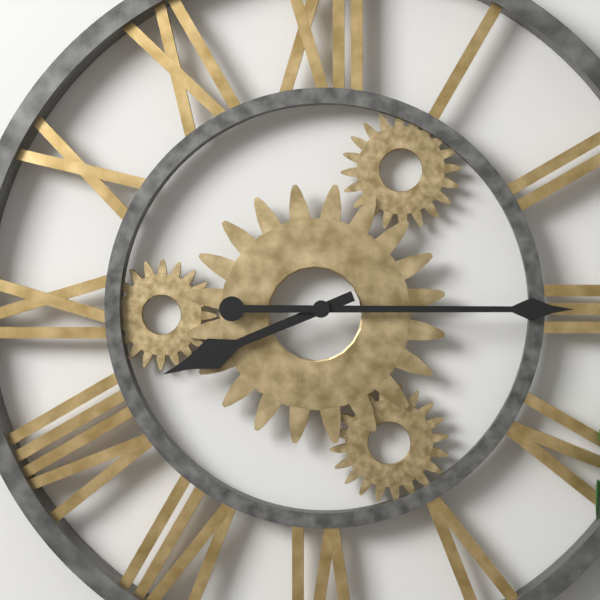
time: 8:15
